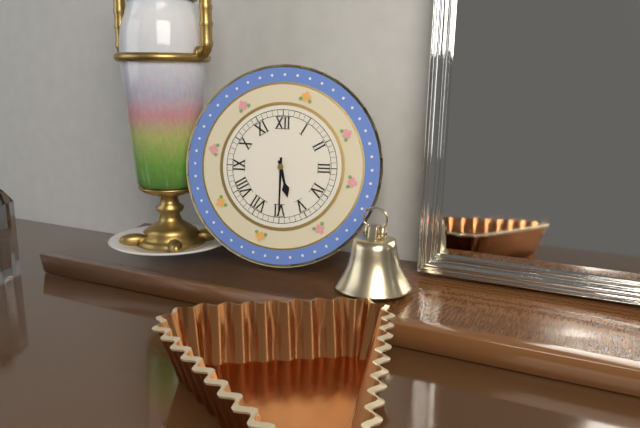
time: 5:30
